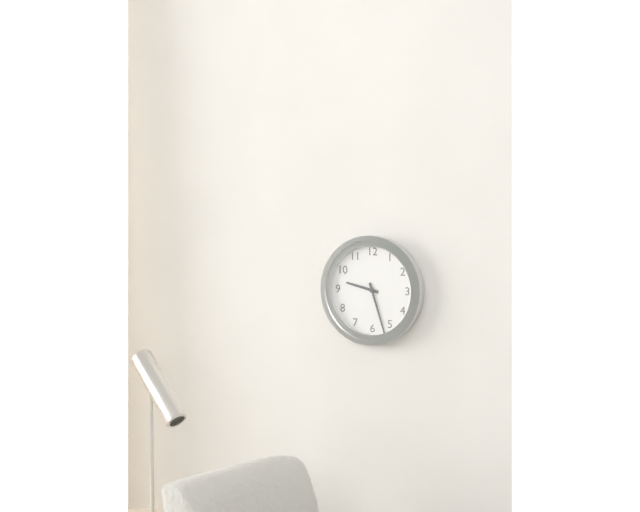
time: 9:27
